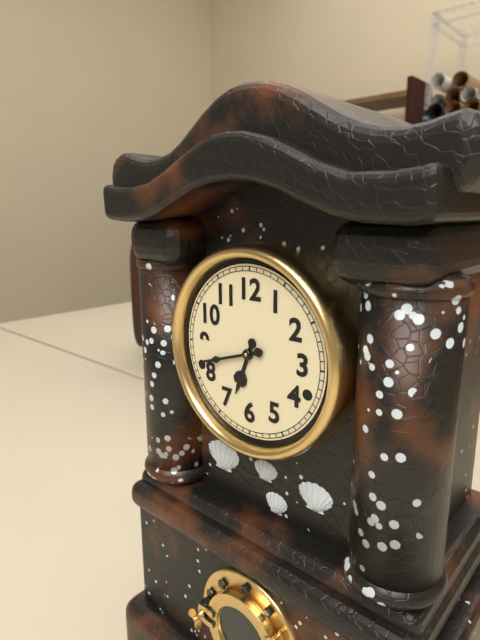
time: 6:42
